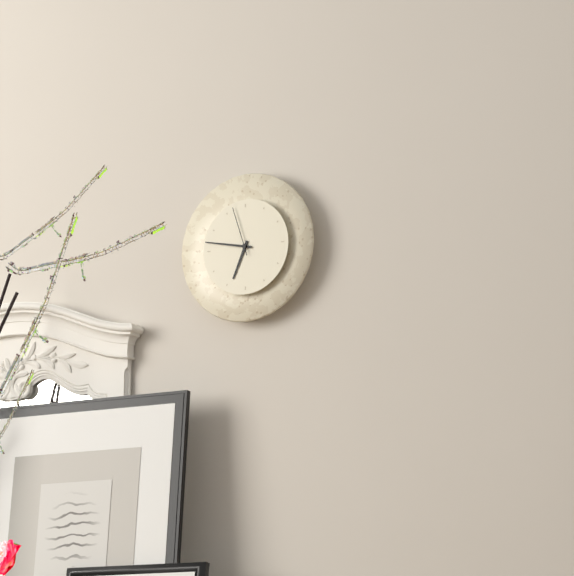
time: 6:47:57
